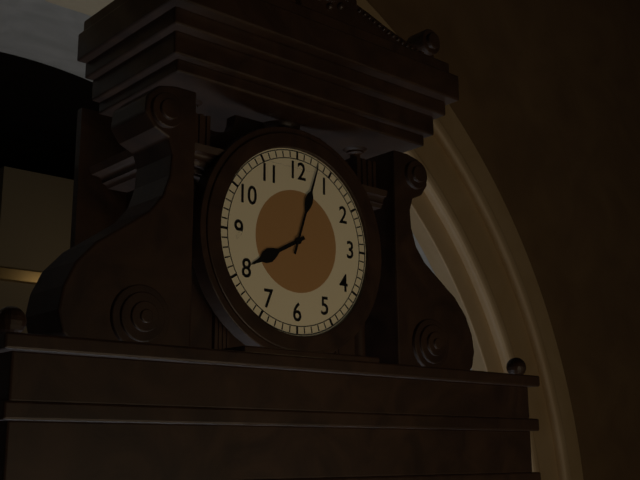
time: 8:03
